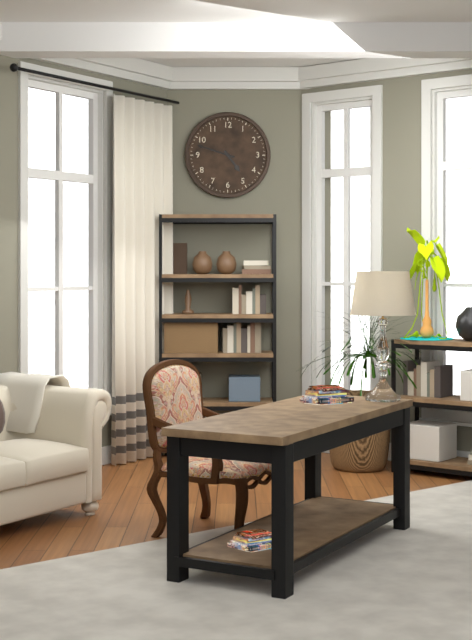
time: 4:48
